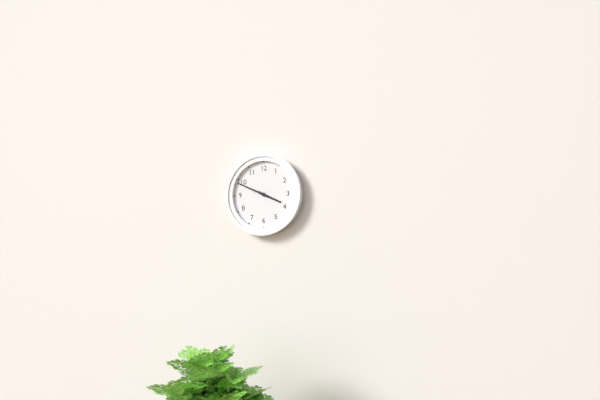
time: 3:49
